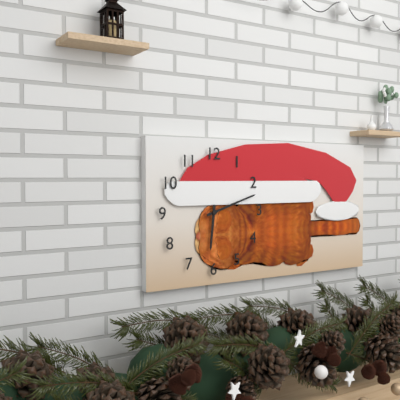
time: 6:12
